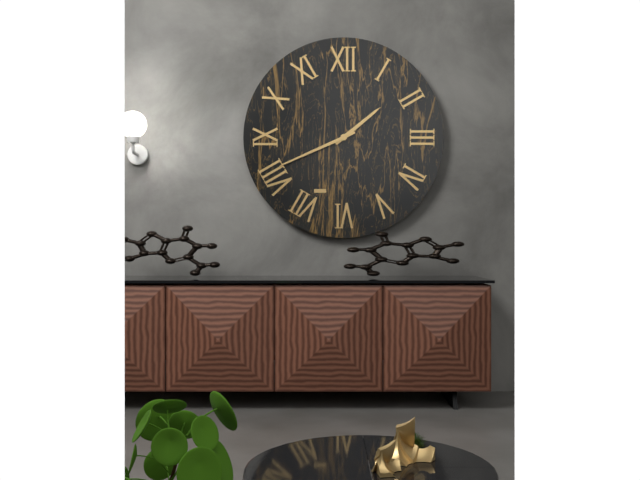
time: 1:41
